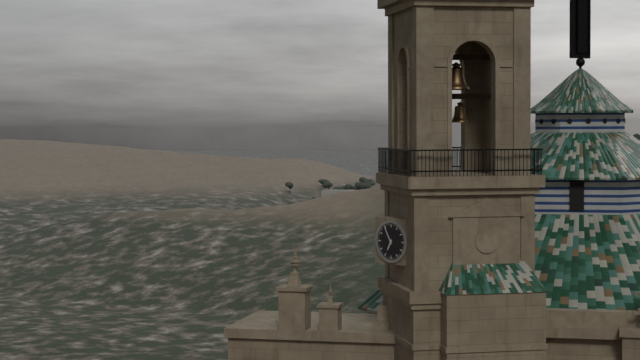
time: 6:55
